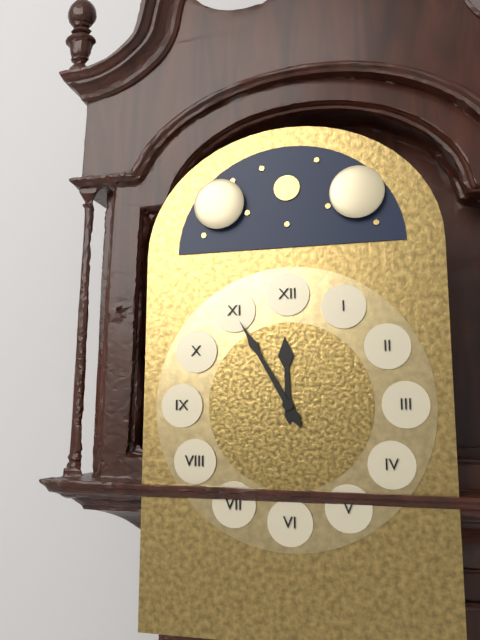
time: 11:55
